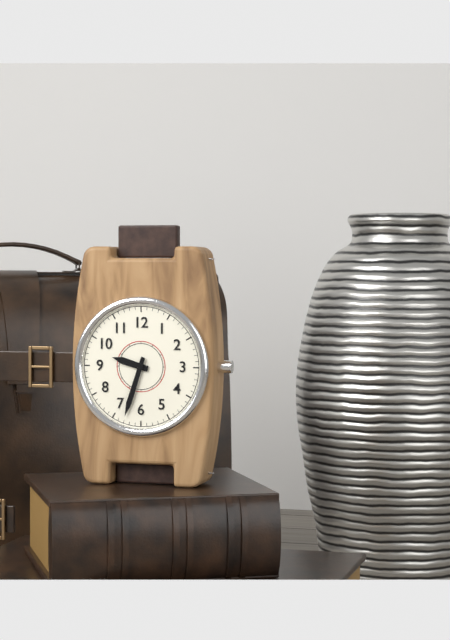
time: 9:33
